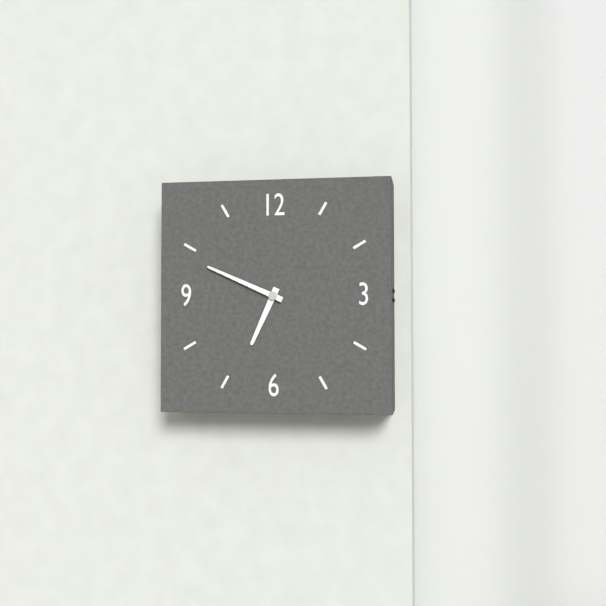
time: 6:49
